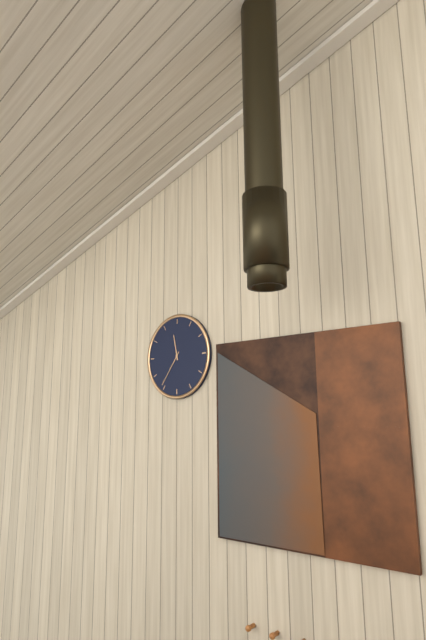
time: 11:36
